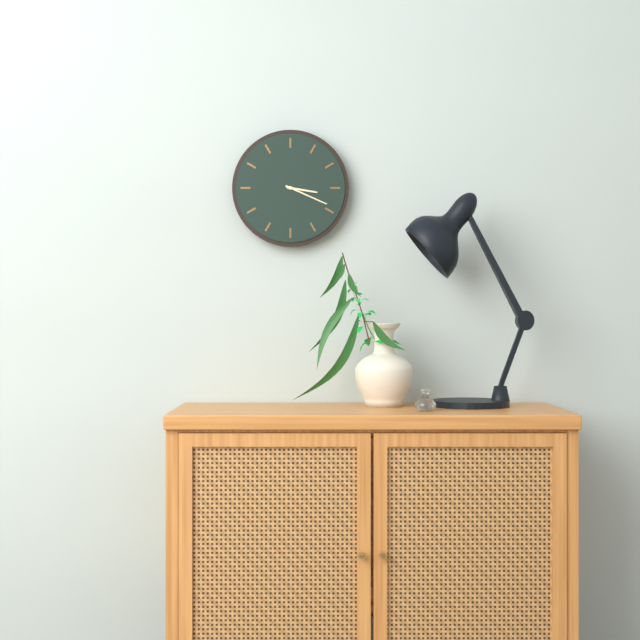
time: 3:19
